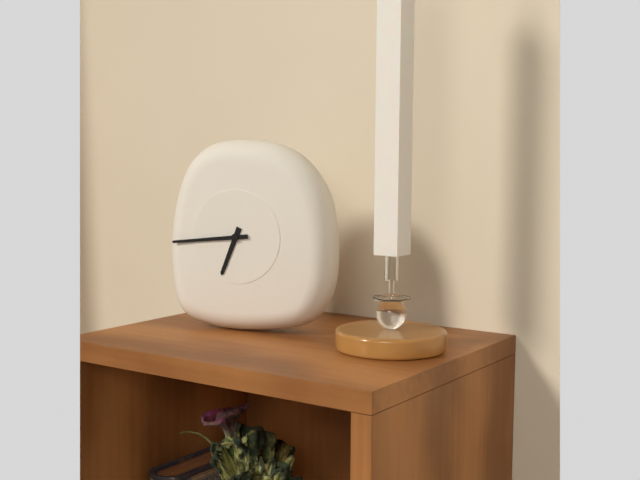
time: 6:44
